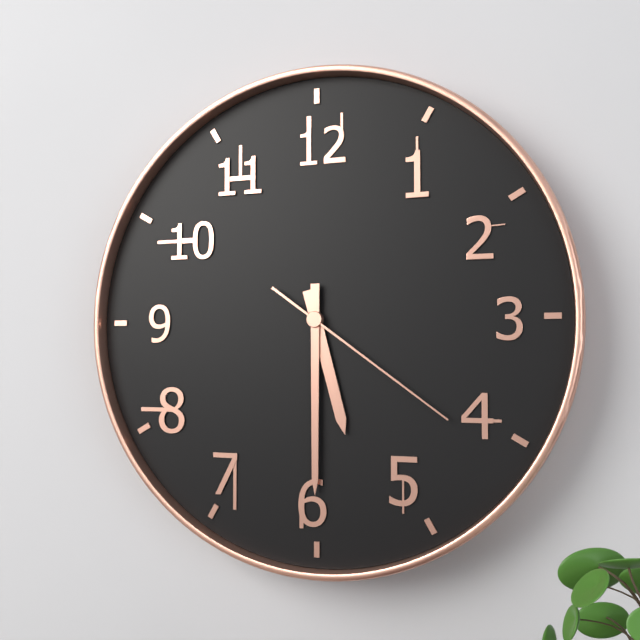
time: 5:30:21
